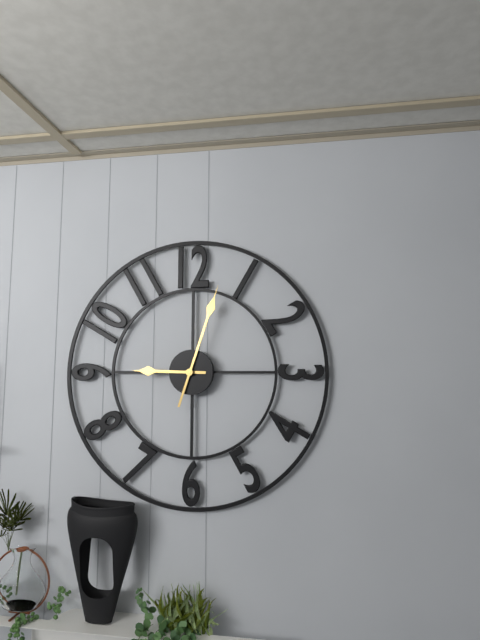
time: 9:03
